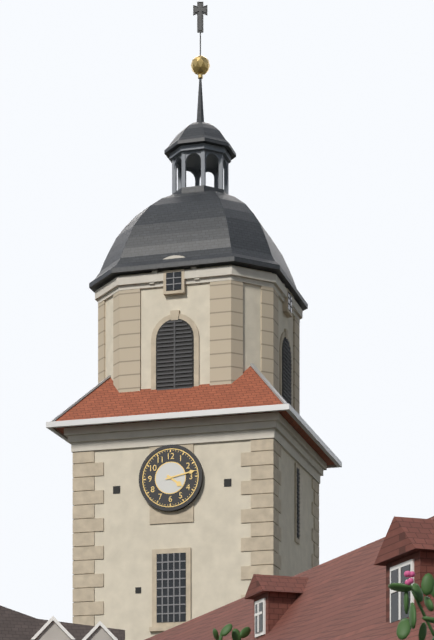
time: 4:13
